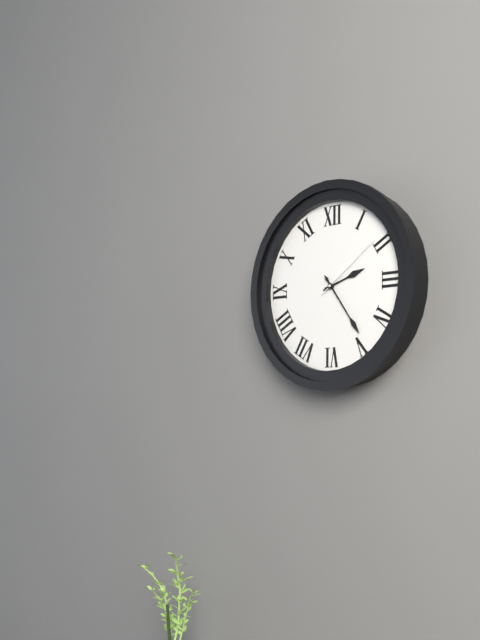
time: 2:24:09
